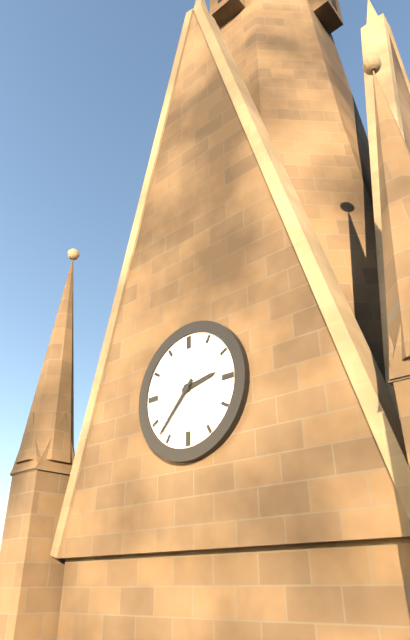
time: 2:37
